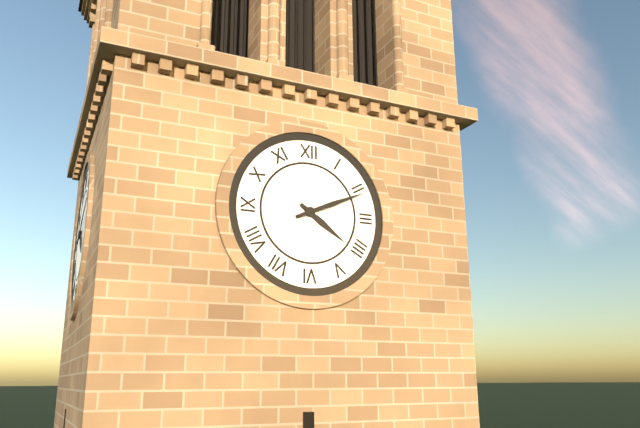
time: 4:11
